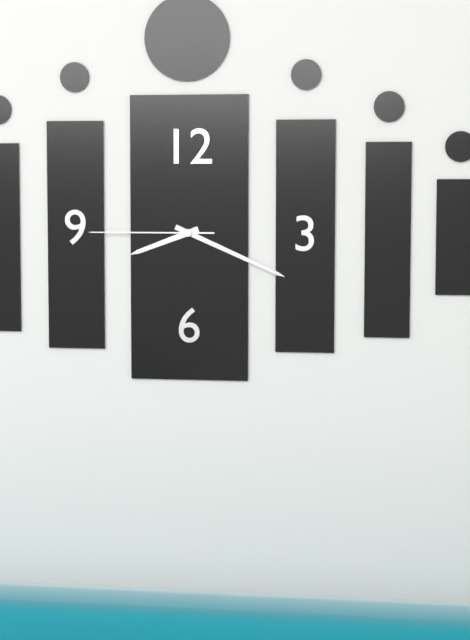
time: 8:19:45
